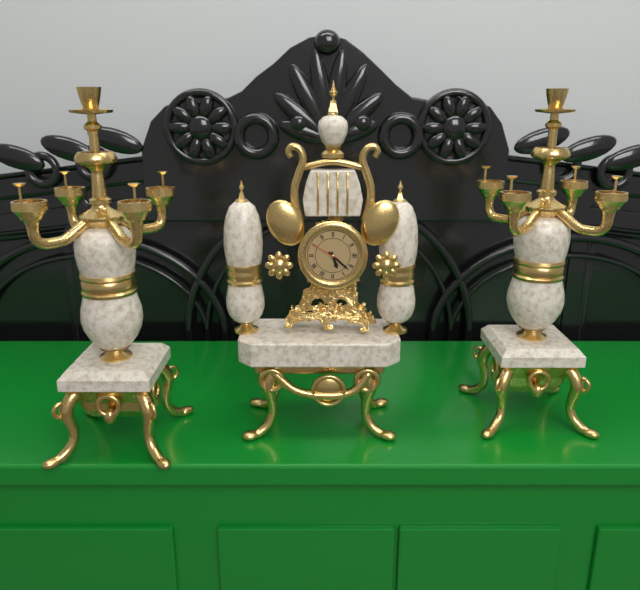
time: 5:22
